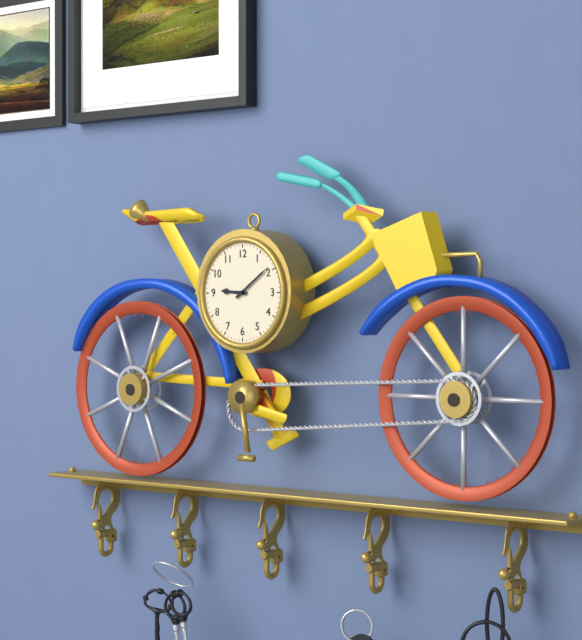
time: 9:09
